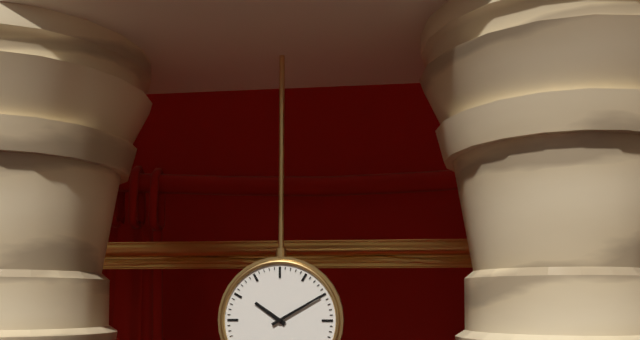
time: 10:10
